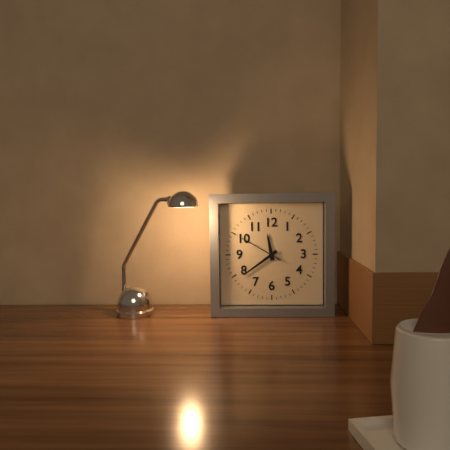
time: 11:39
